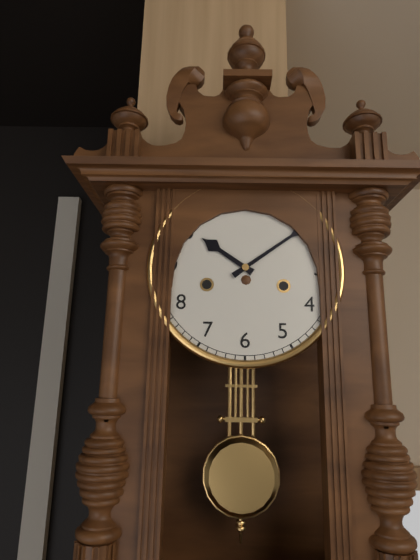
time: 10:09
